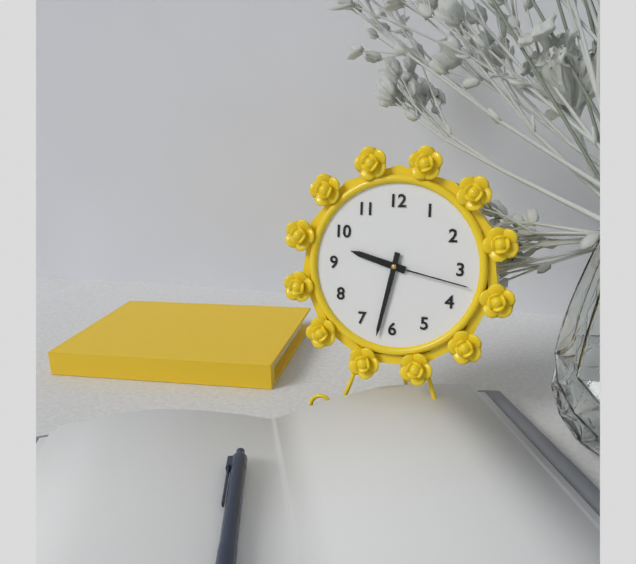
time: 9:32:17
